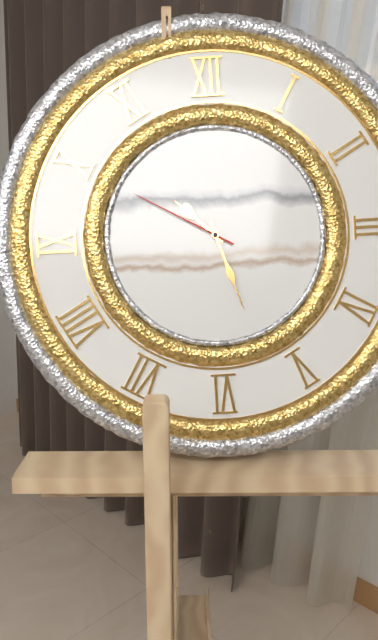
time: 10:27:50
